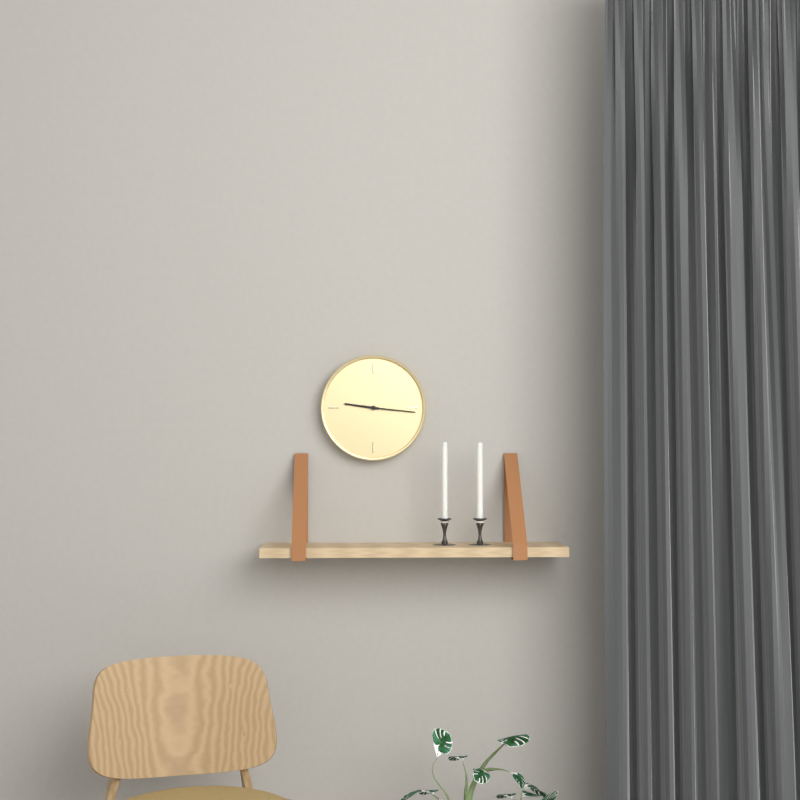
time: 9:16
